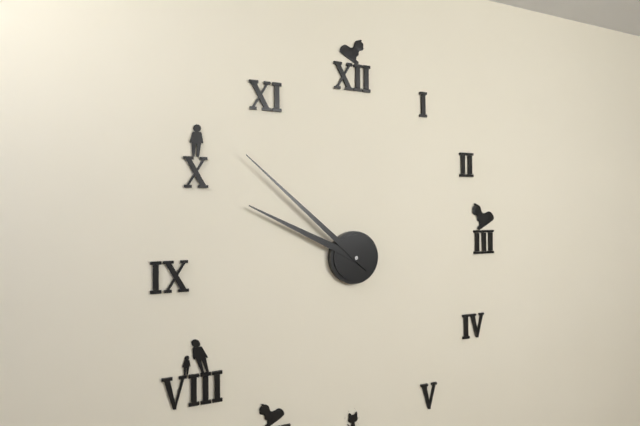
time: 9:52
